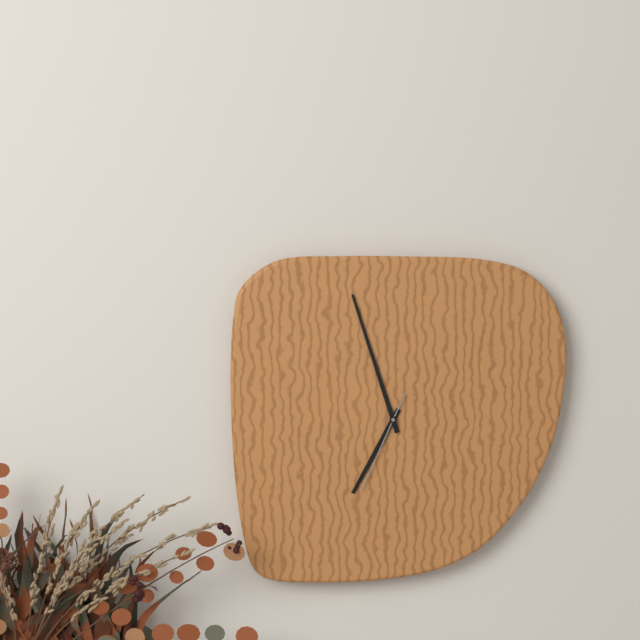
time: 6:57:34
